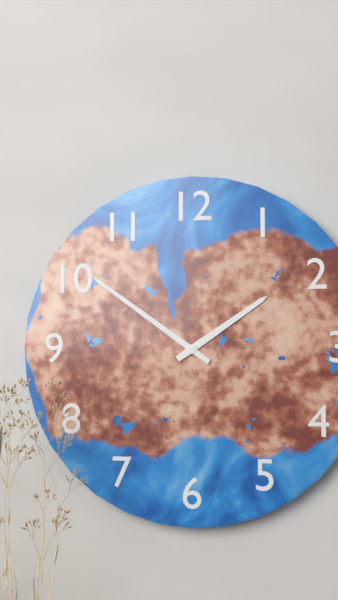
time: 1:51
